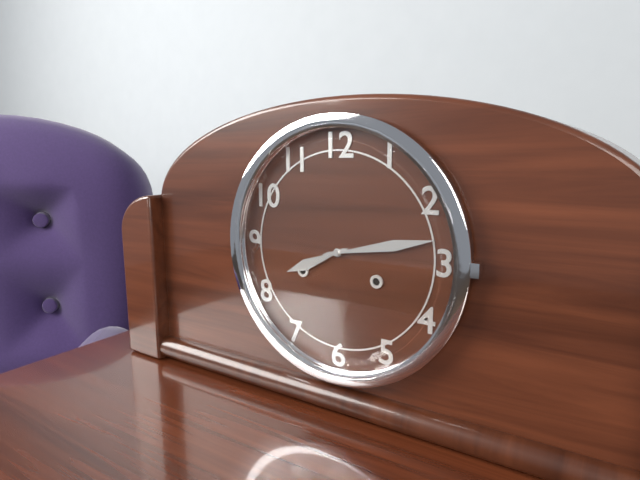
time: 8:13
